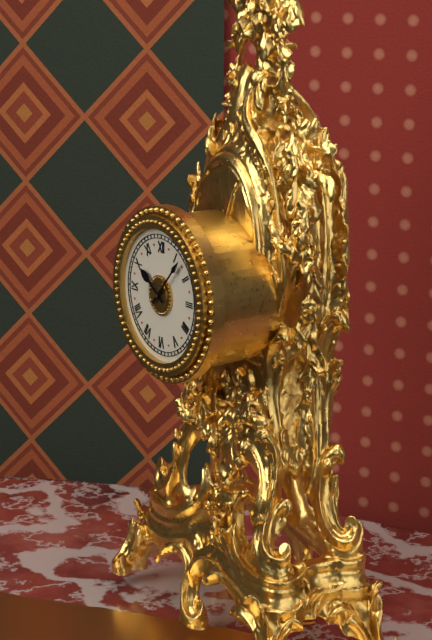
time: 10:07
